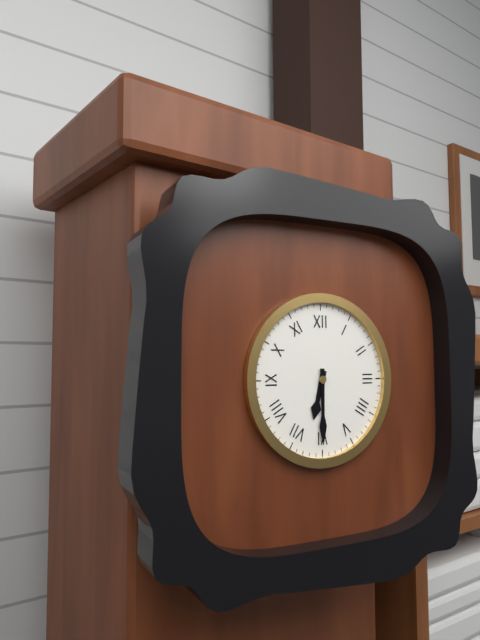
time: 6:30
